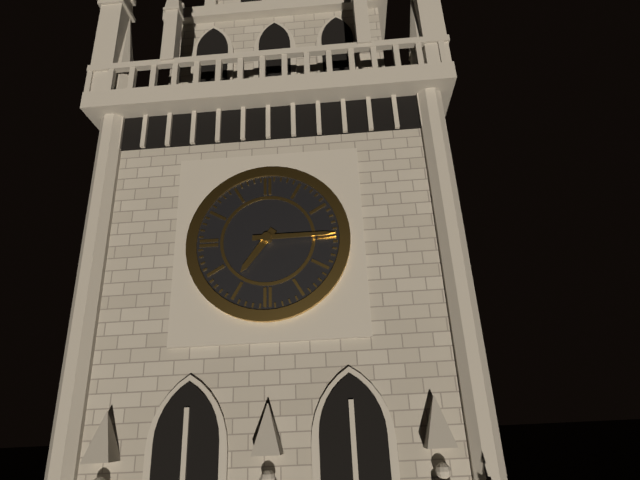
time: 7:15
